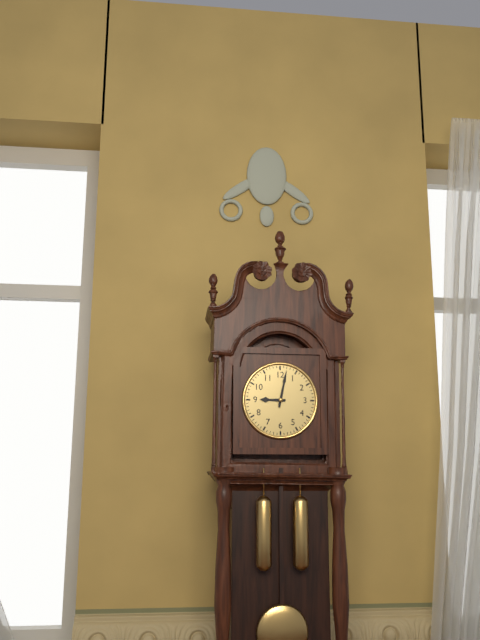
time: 9:02
